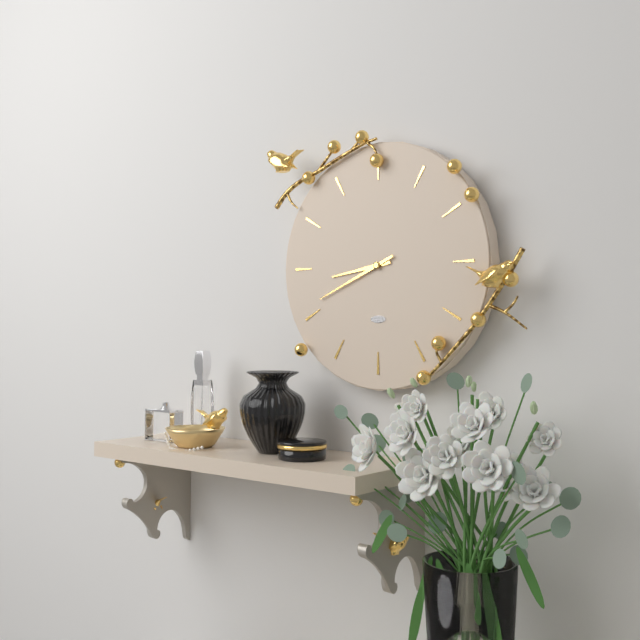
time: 8:41
